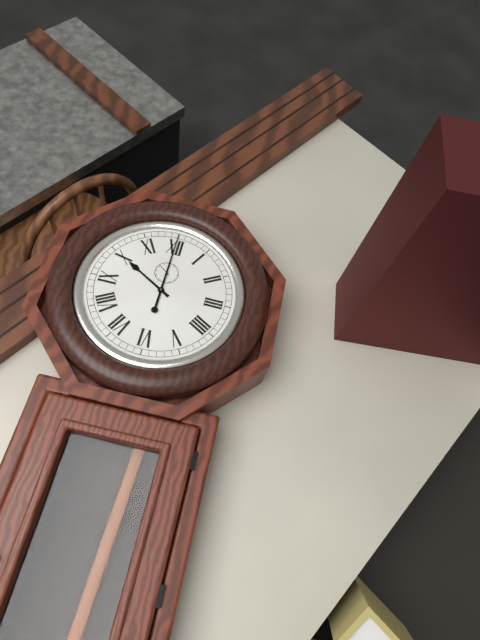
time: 10:00
